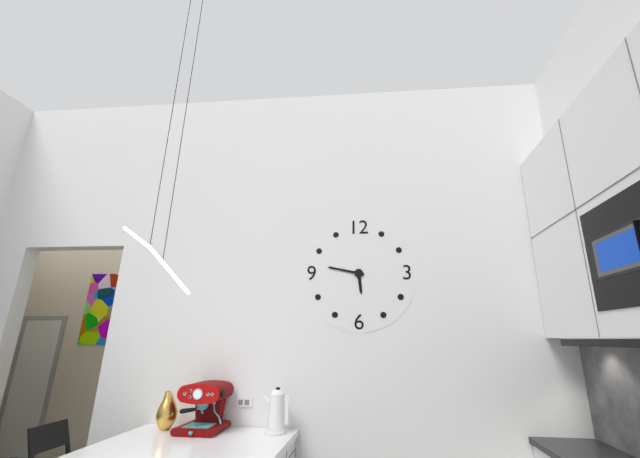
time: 5:47
